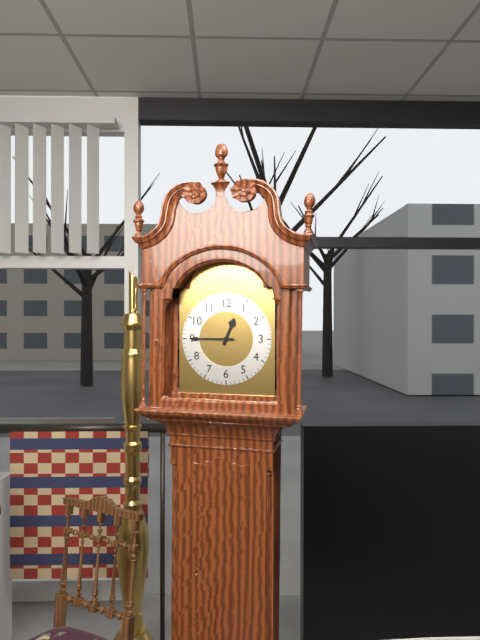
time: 12:45
